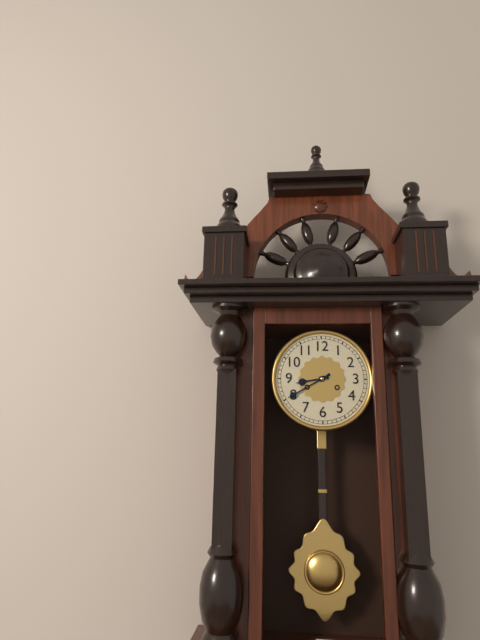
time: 8:40
